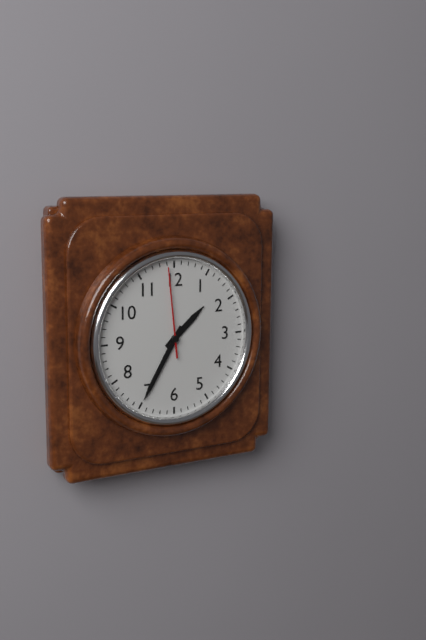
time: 1:35:59
